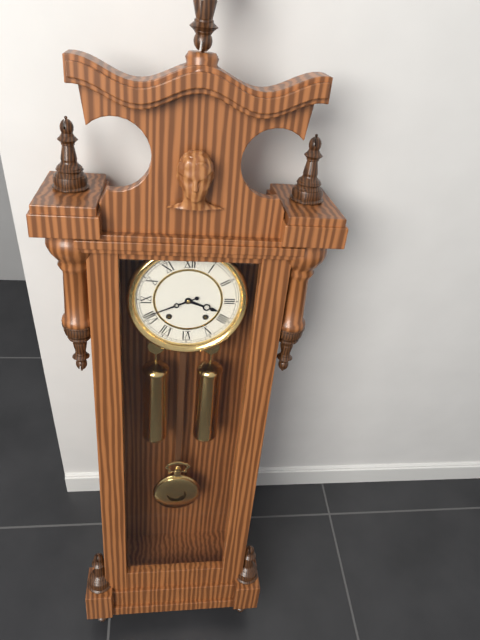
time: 3:41
